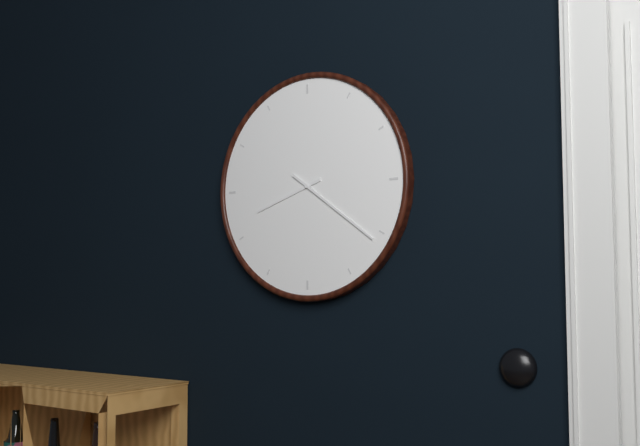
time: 8:21
